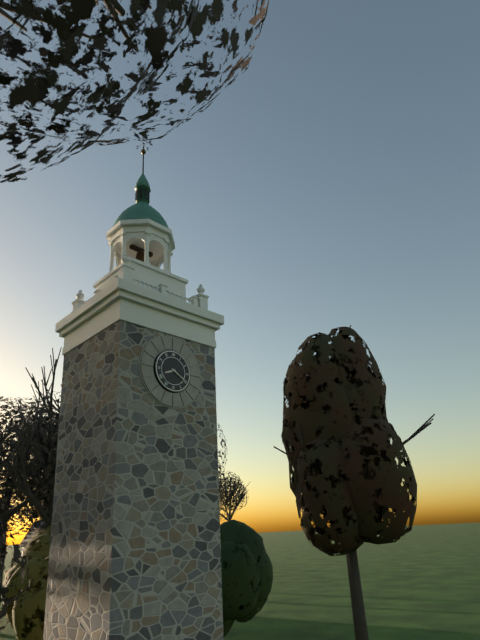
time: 8:20
